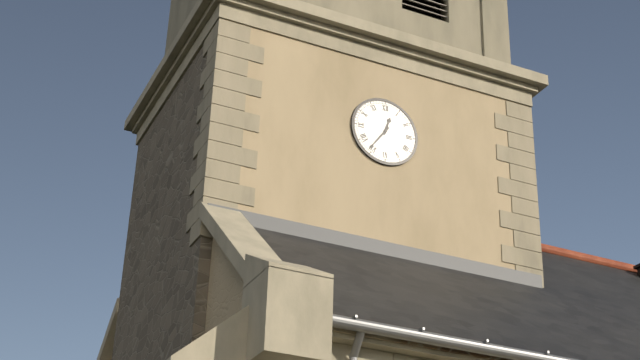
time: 12:36
